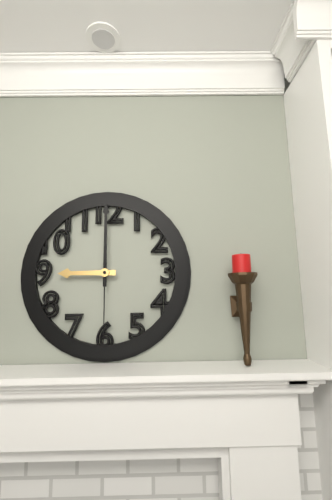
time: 9:00:30
